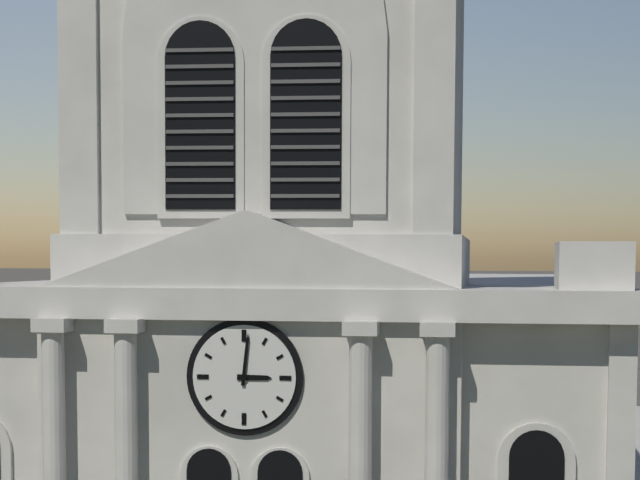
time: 3:01
